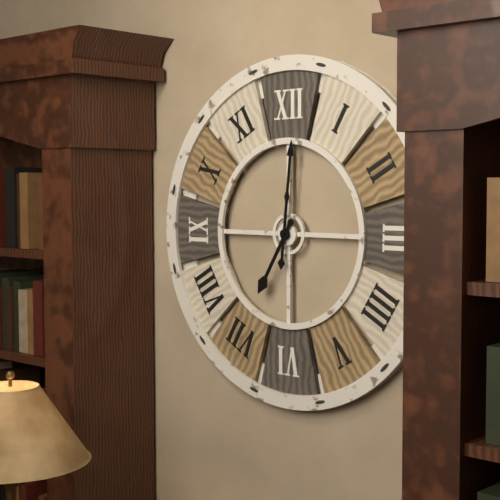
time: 7:01
